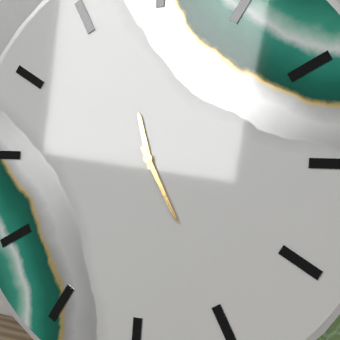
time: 11:25
